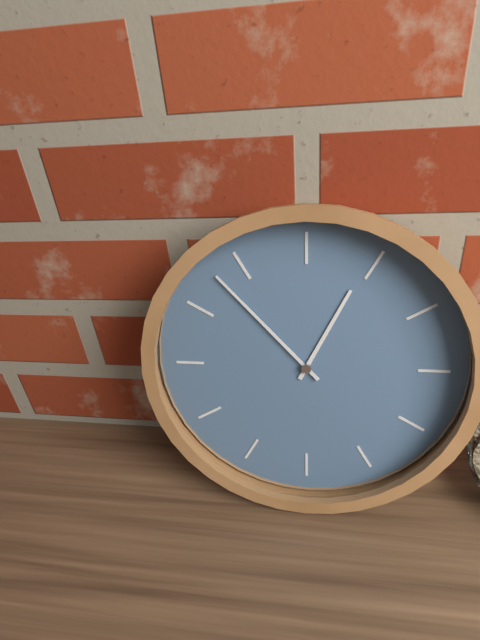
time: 12:53
